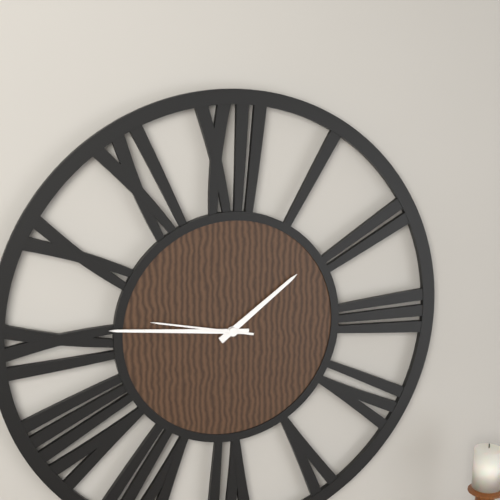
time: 1:46:47
